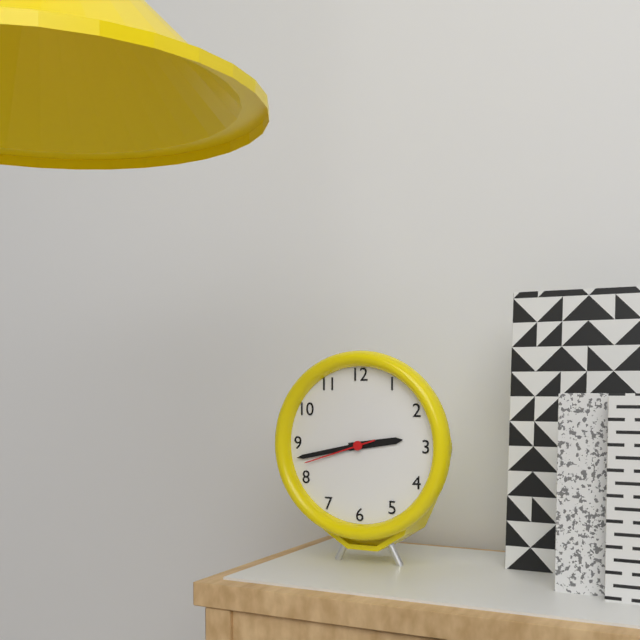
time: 2:43:42
